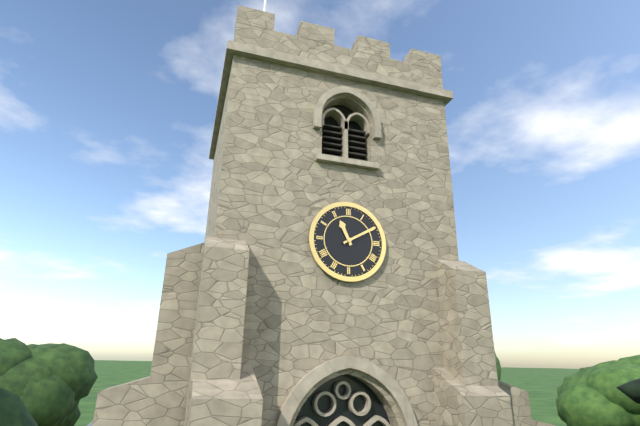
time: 11:10
